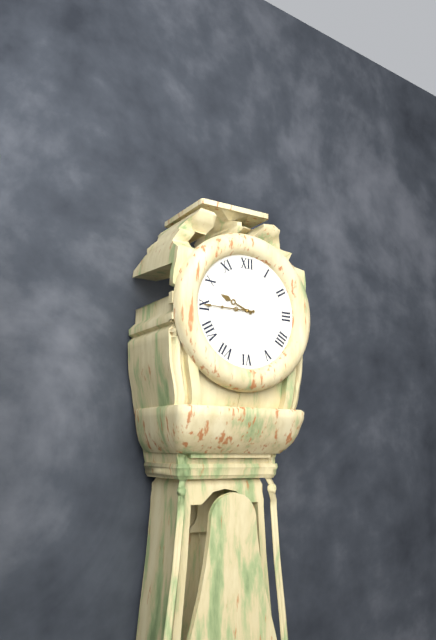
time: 9:45
